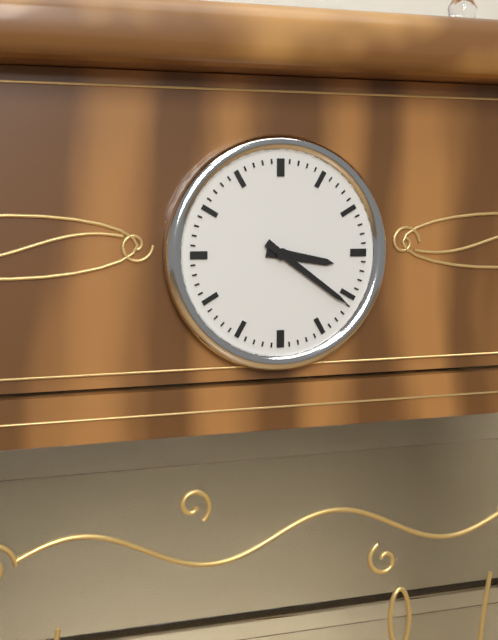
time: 3:21
